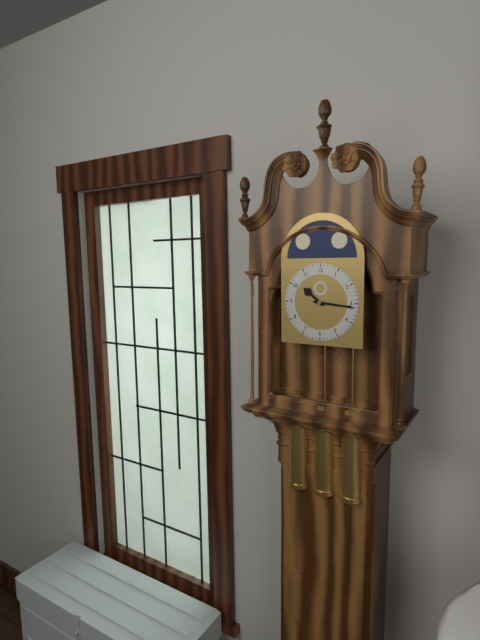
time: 10:16
